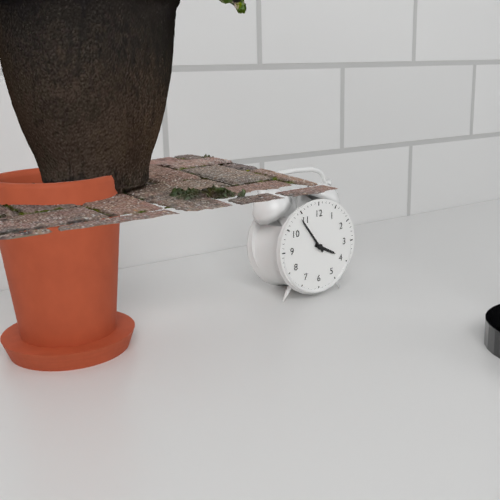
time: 3:54
